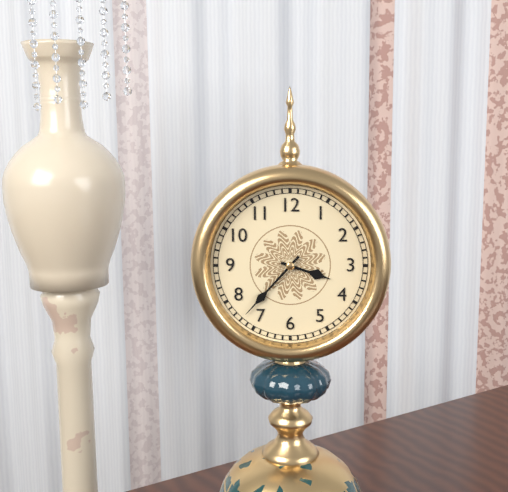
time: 3:37
